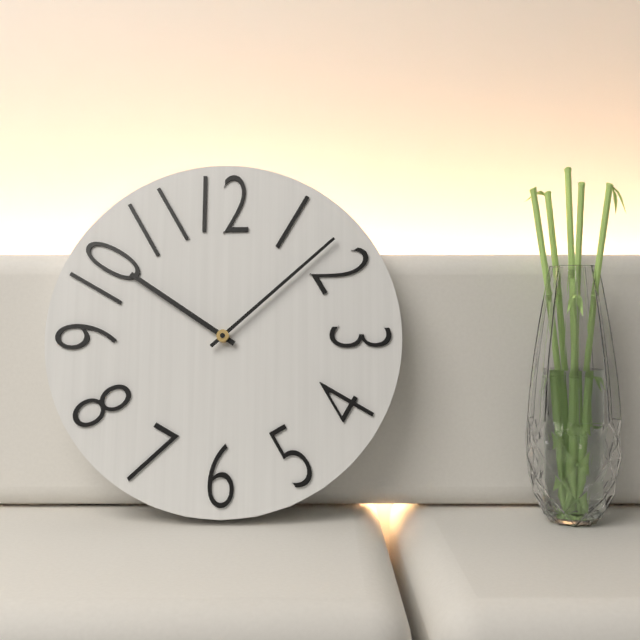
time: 10:08
